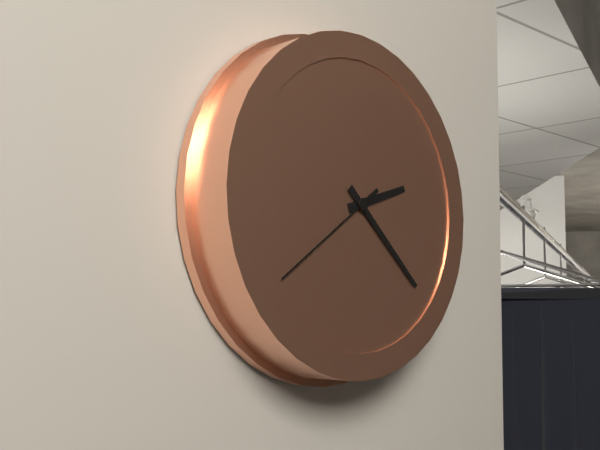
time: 2:22:39
